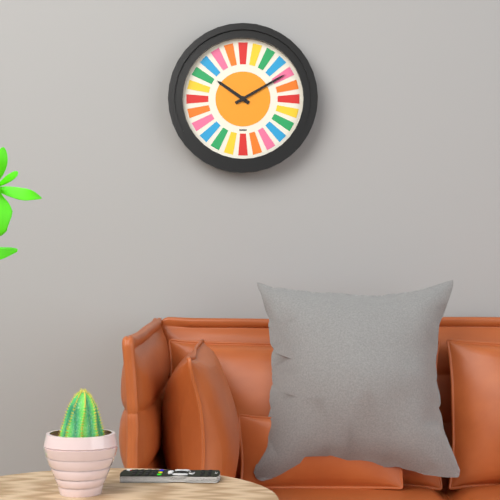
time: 10:10
